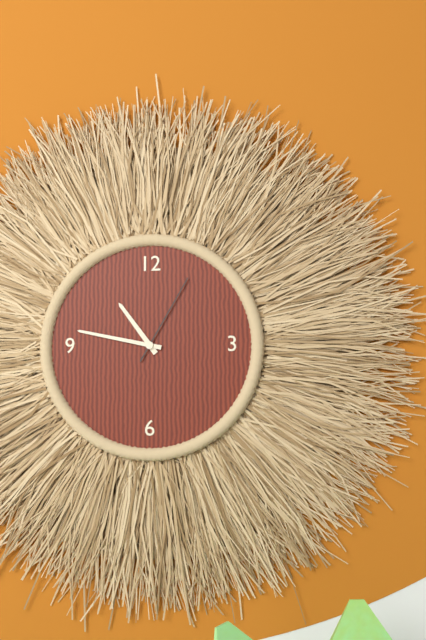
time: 10:47:05
